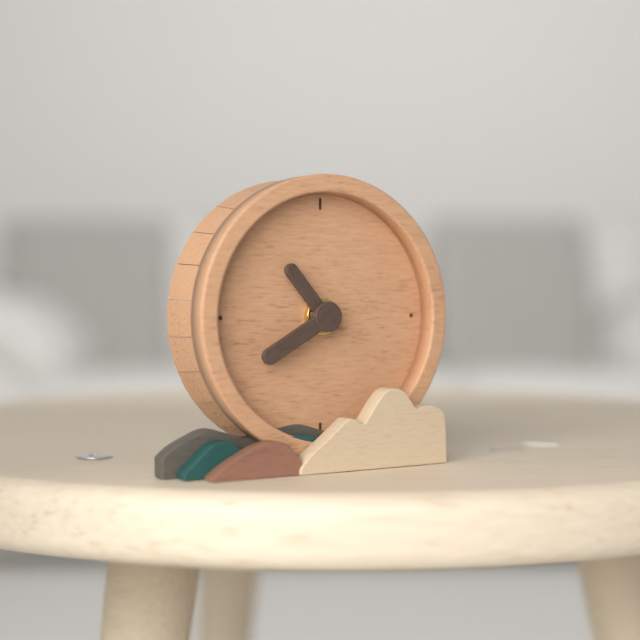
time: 10:40
